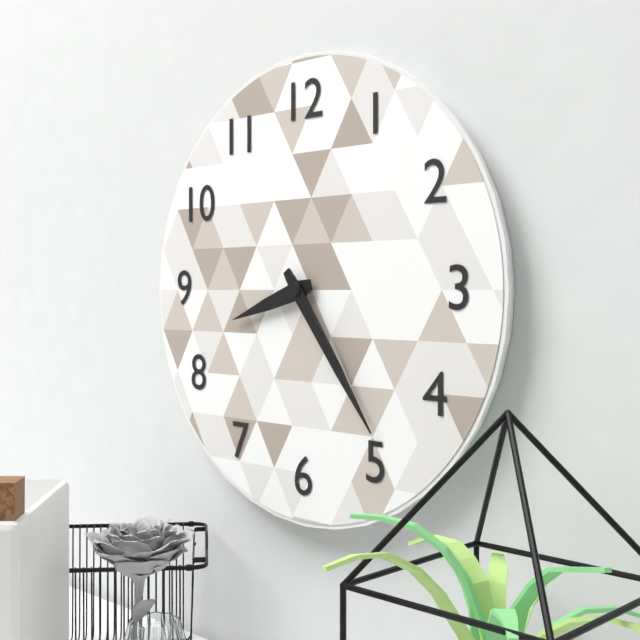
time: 8:24
